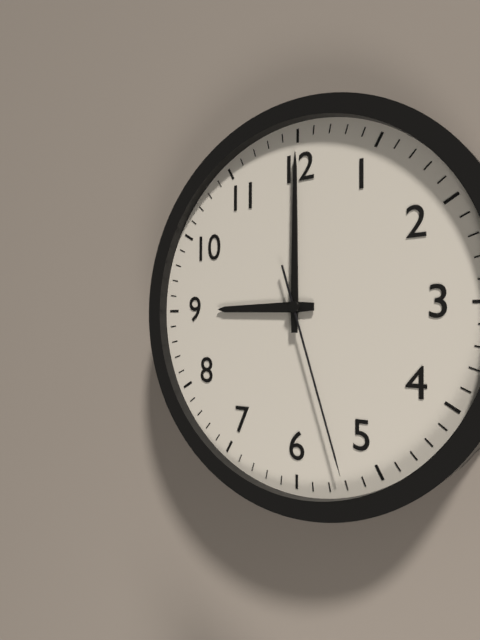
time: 9:00:27
